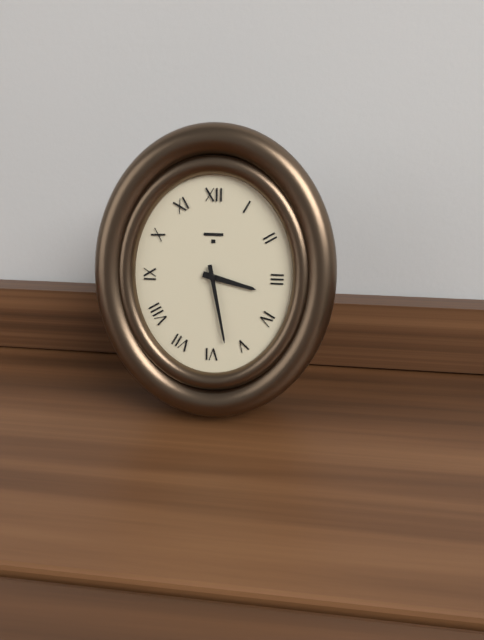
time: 3:28
